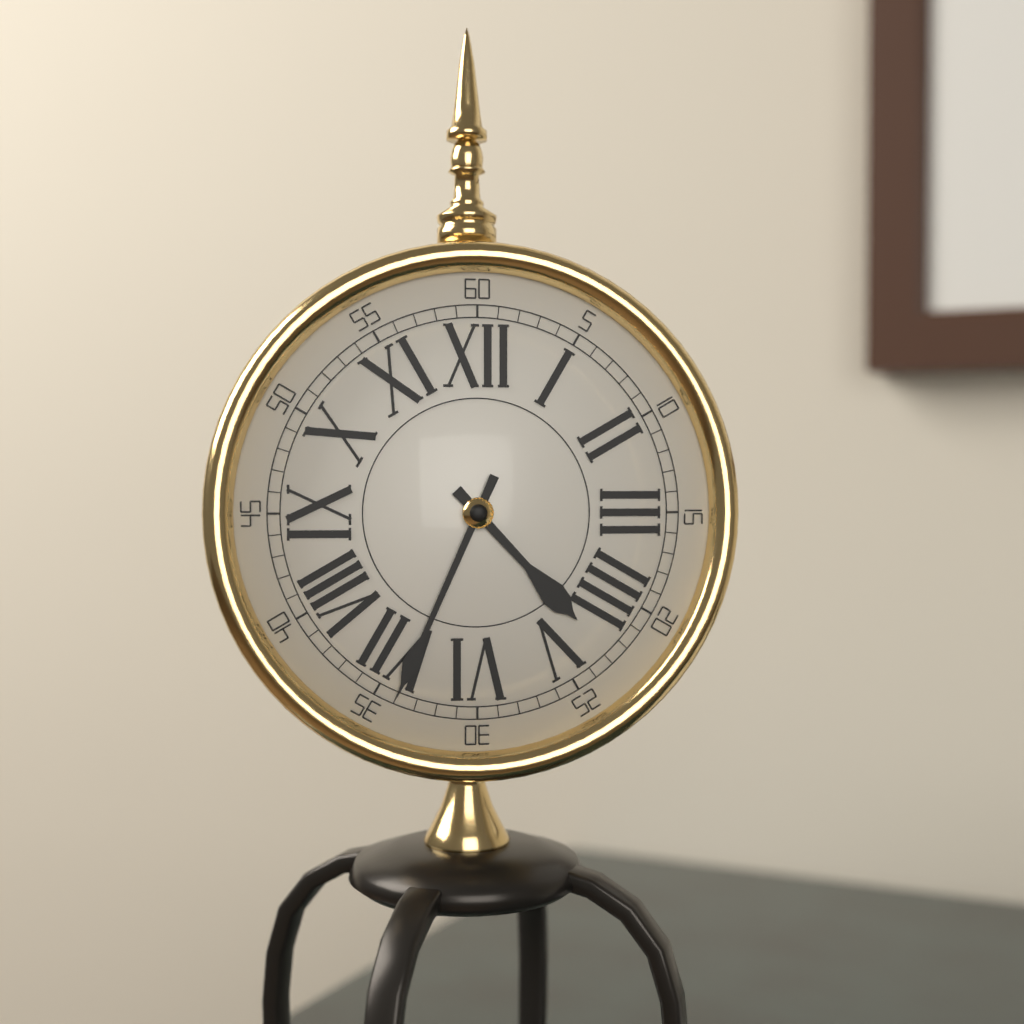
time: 4:34
